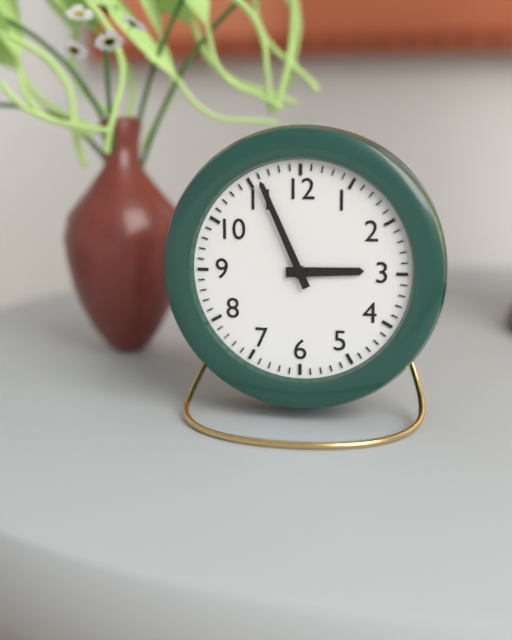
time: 2:56
